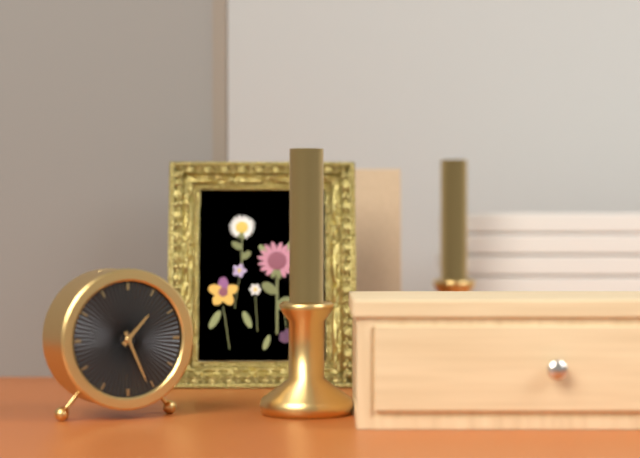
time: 1:26
